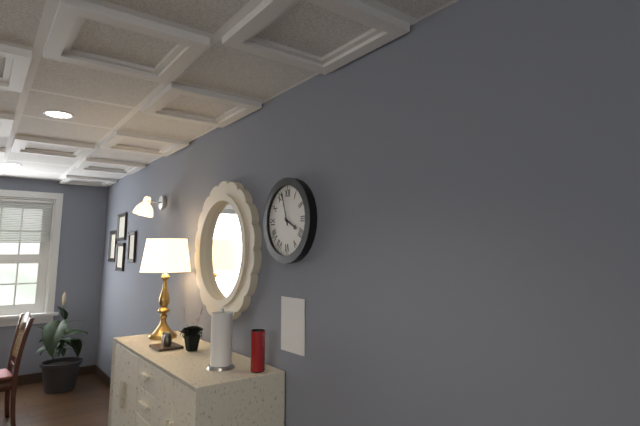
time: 3:57
